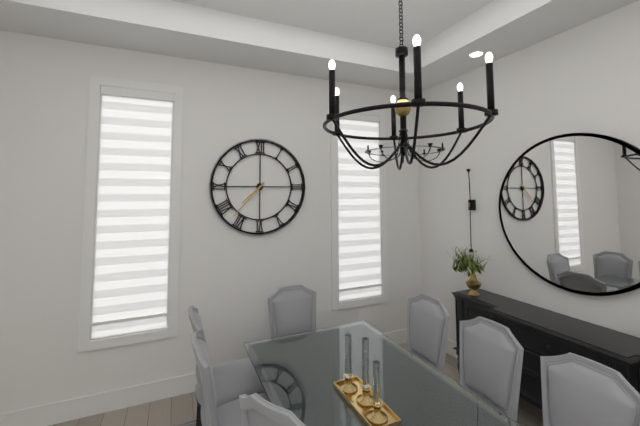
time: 7:37
